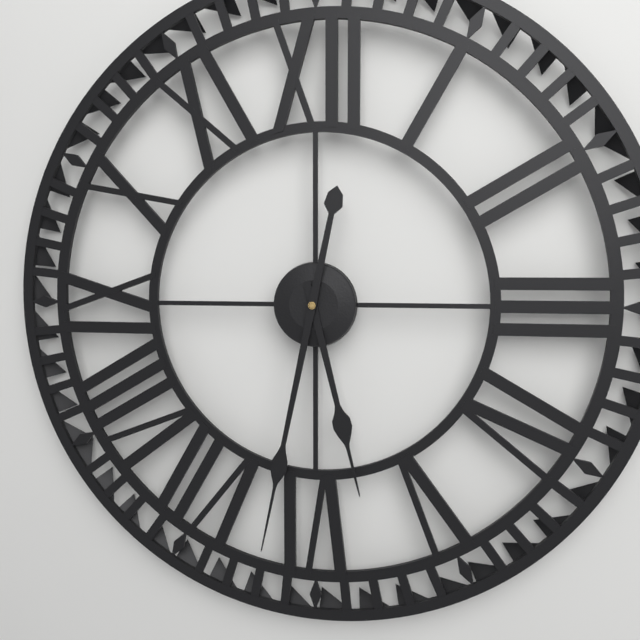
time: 5:32
